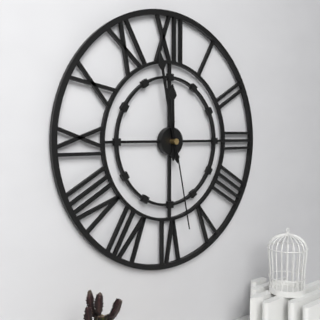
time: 11:58:28
